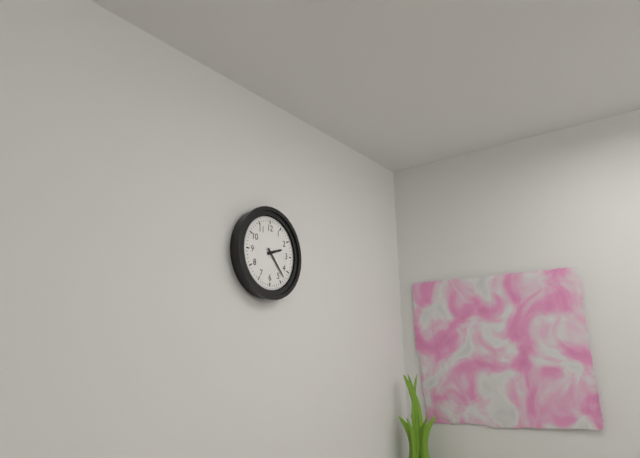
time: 2:23
